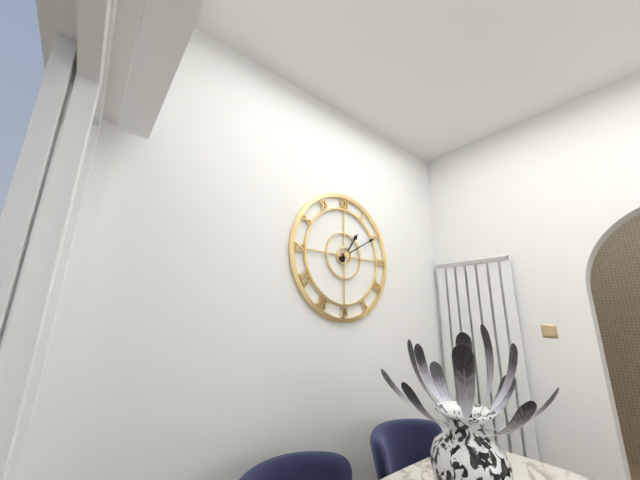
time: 1:10
